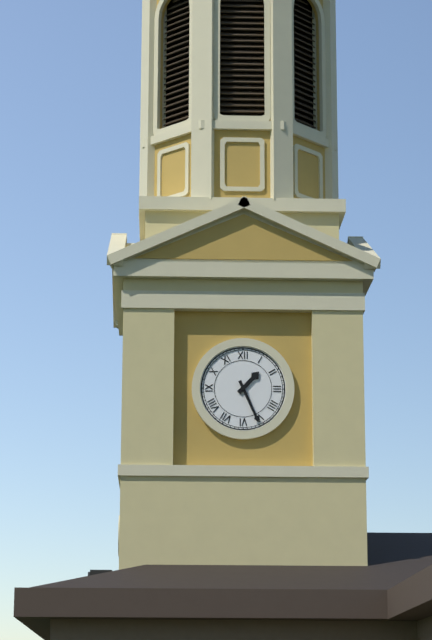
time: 1:26
